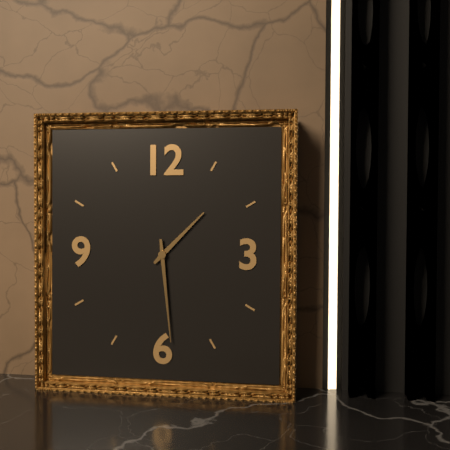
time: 1:29
